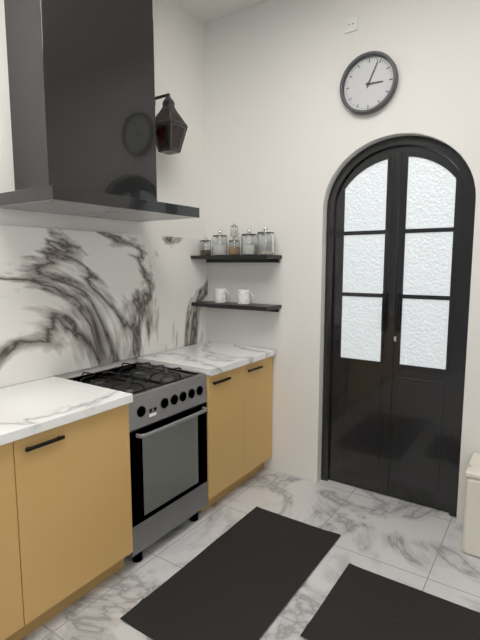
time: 3:04
